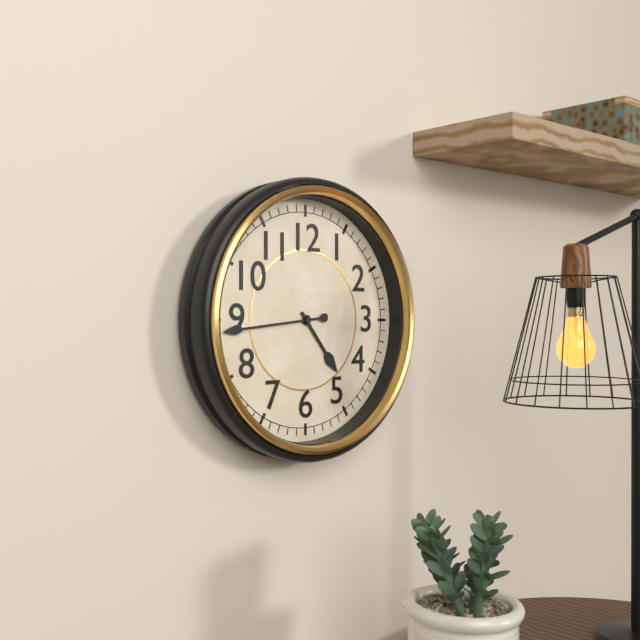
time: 4:44
